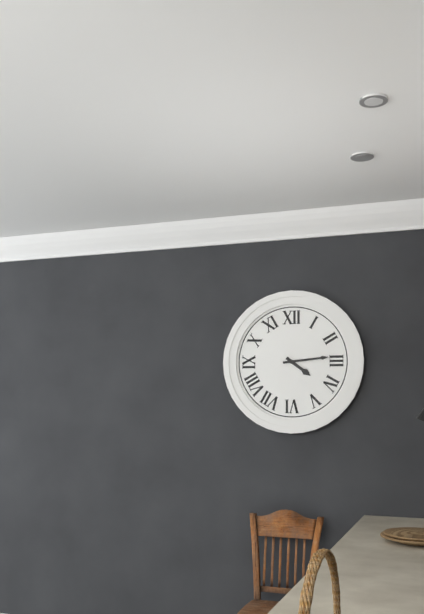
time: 4:14
